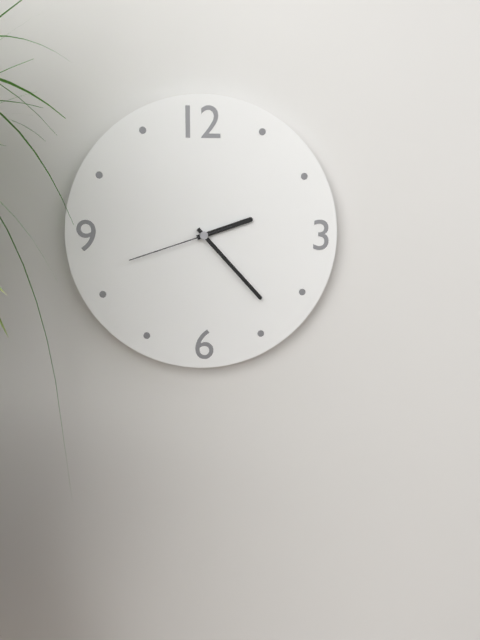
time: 2:23:42
